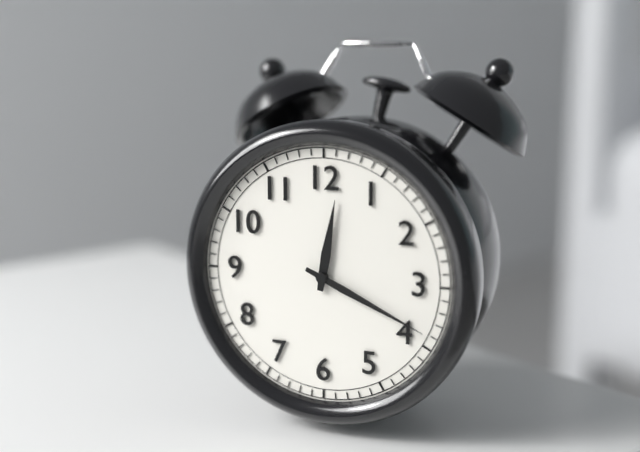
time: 12:19
